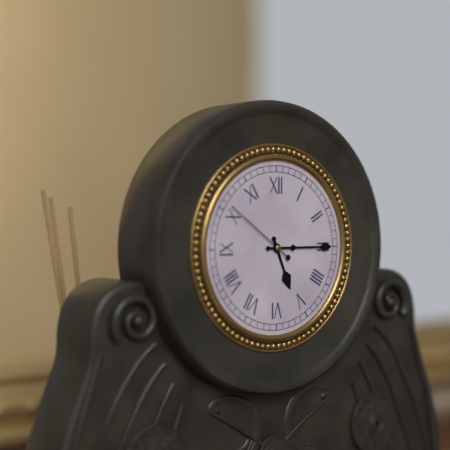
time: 5:15:51
